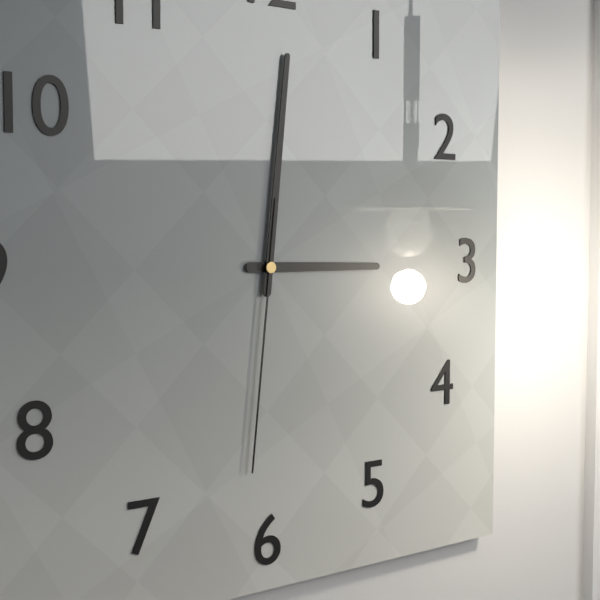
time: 3:01:31
